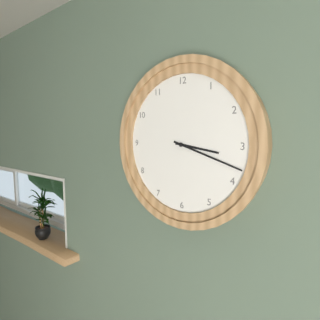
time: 3:18
